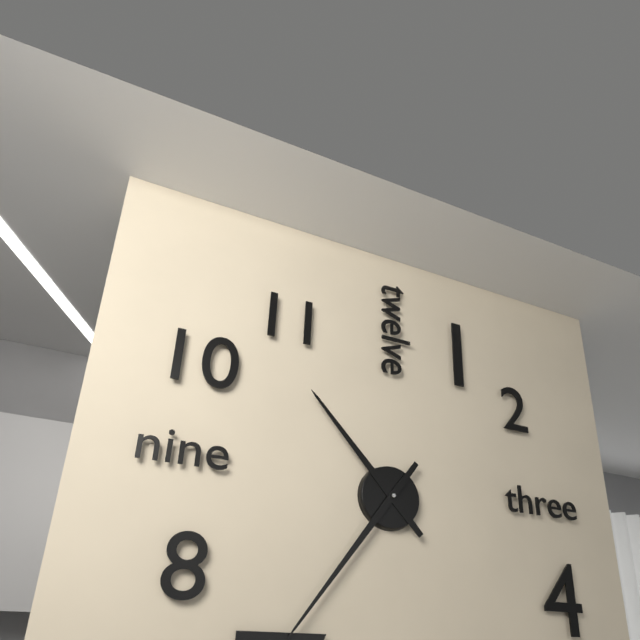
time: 10:36
